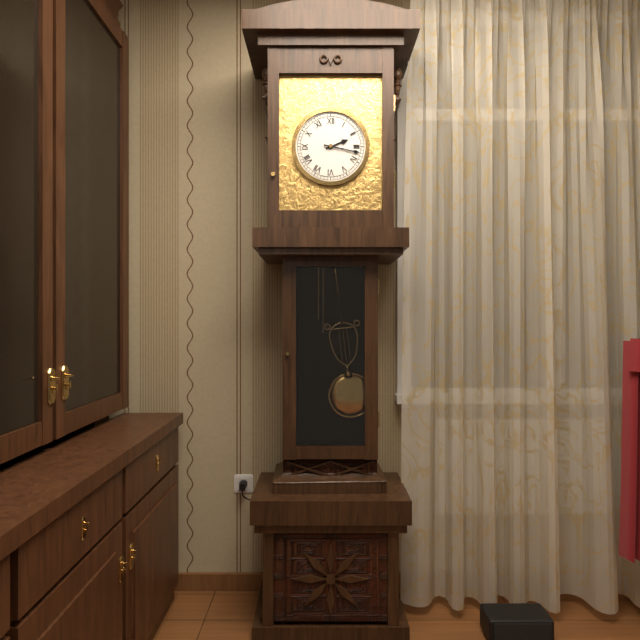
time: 2:17
